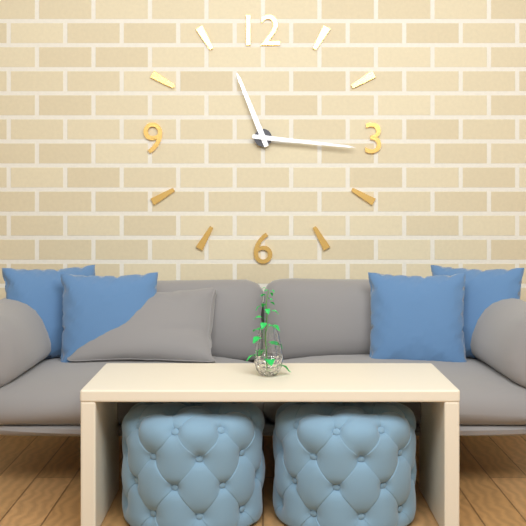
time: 11:16
